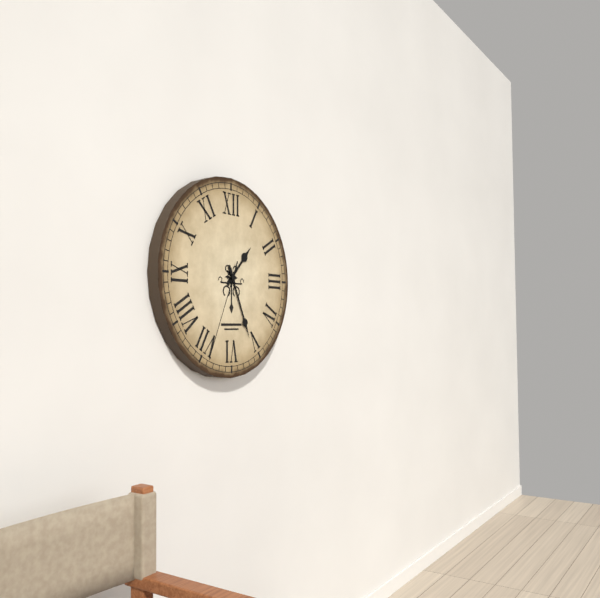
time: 1:26:34
